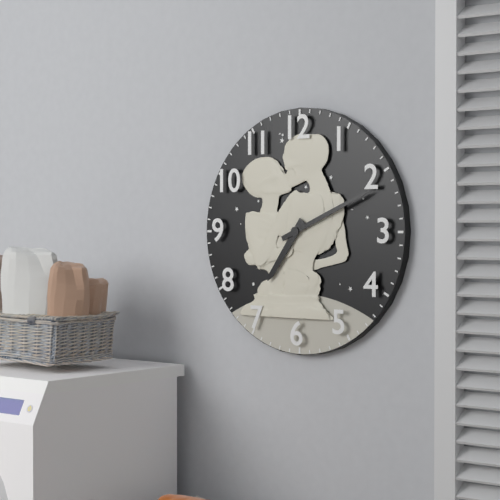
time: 7:11
